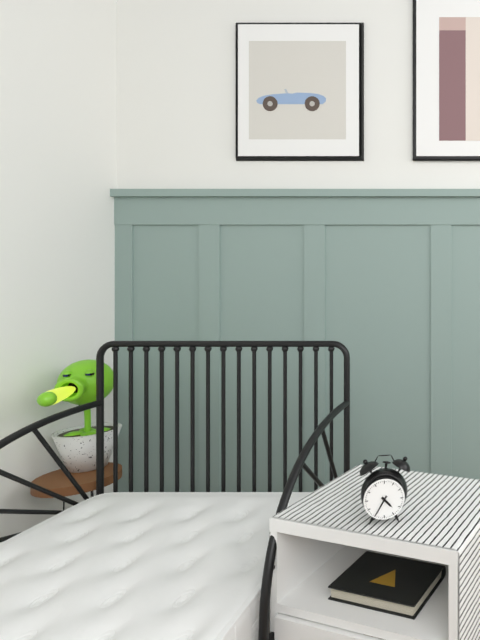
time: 4:35
